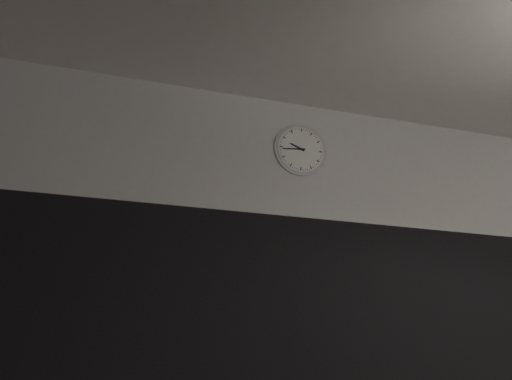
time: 9:44
